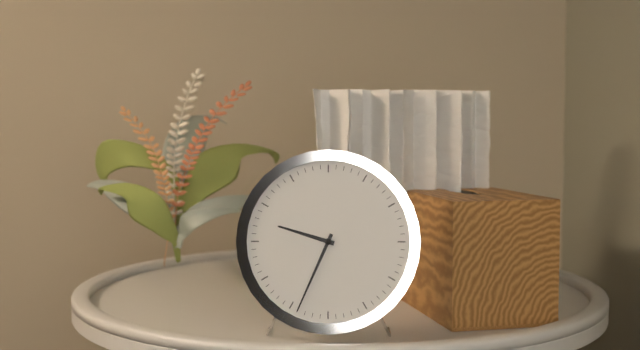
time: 9:34
